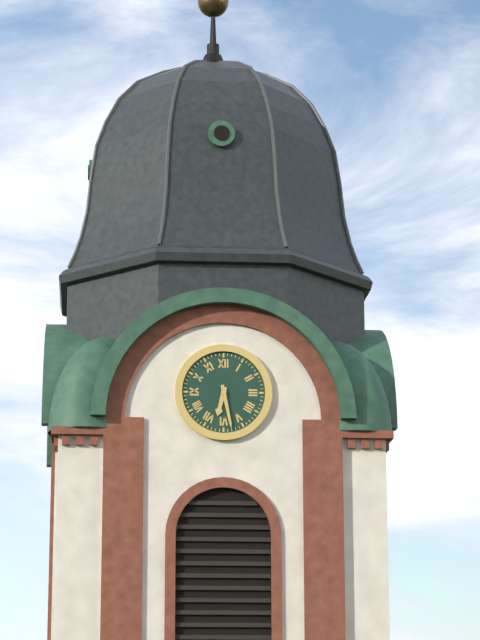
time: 6:28
